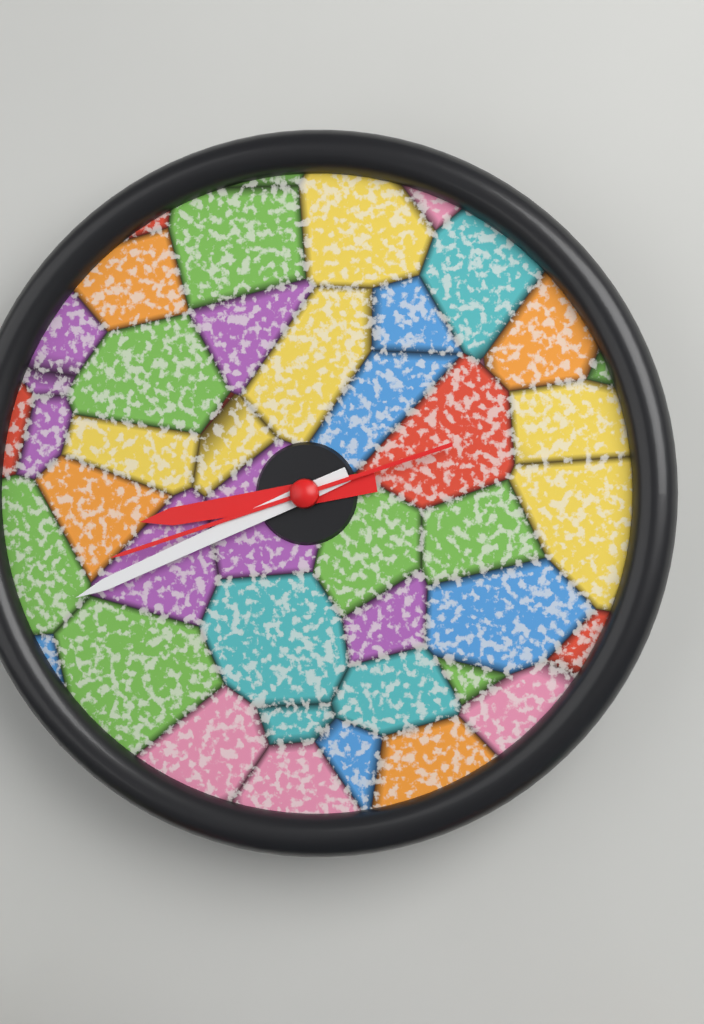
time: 8:41:42
